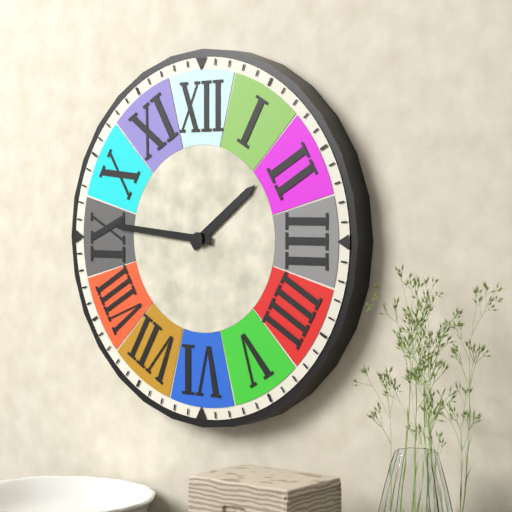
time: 1:46
